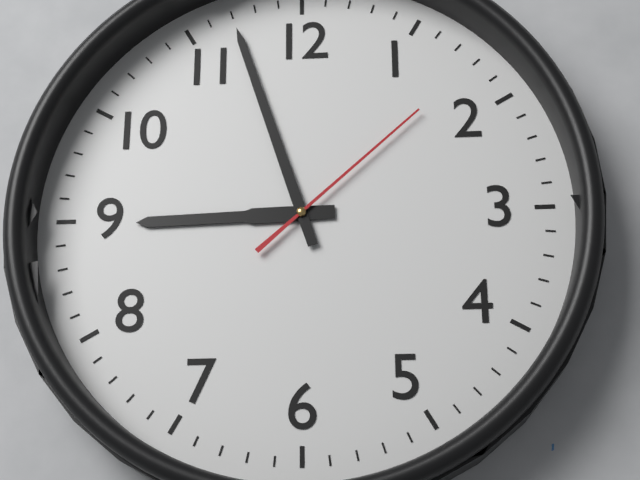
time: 8:57:08
